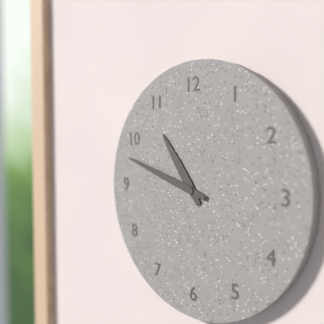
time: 10:48
